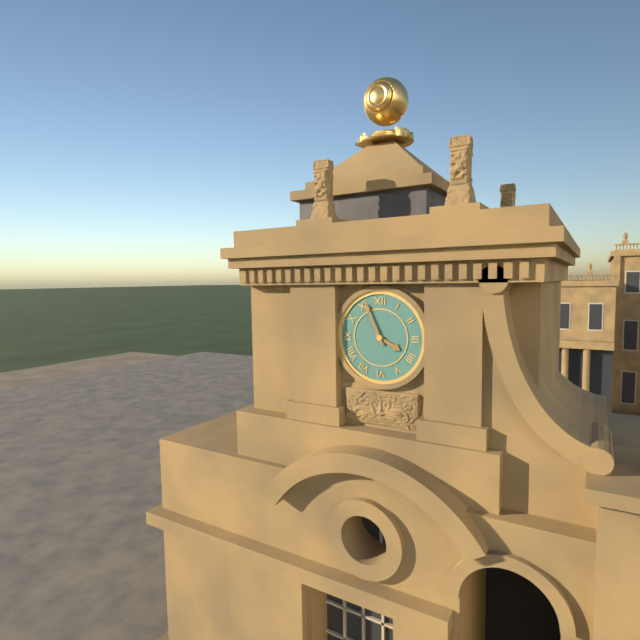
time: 3:56
